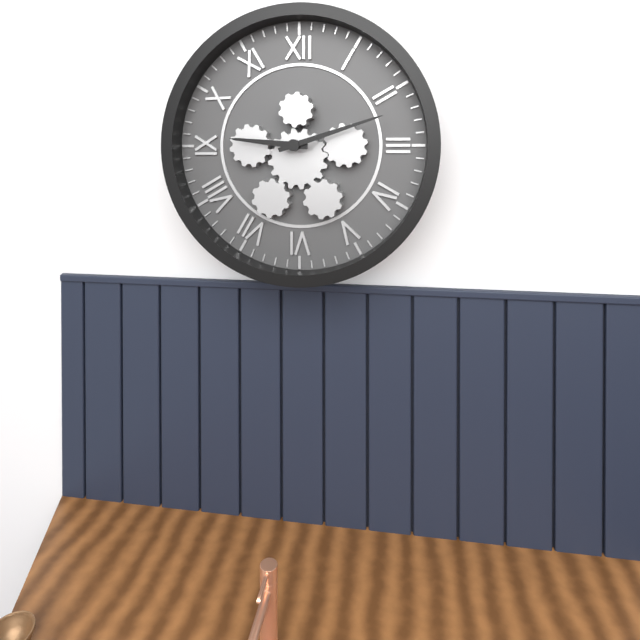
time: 9:12
